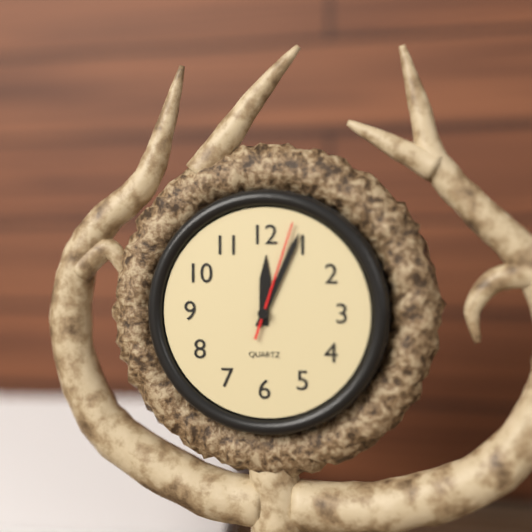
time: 12:04:03
